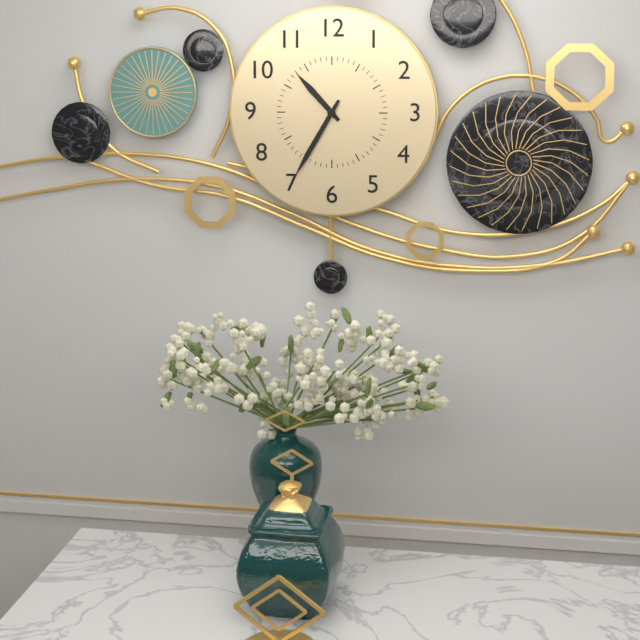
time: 10:35
